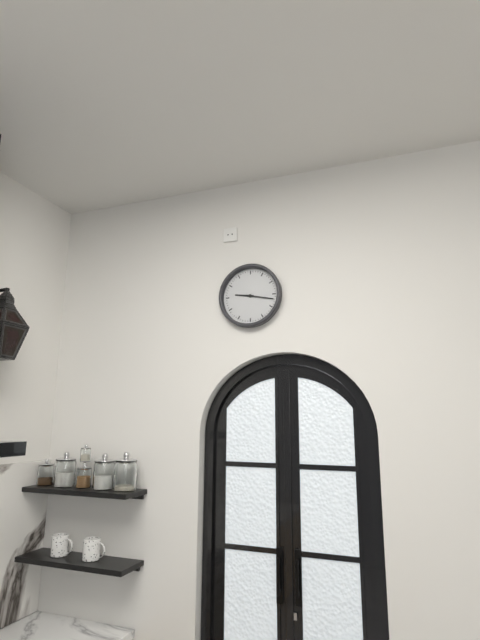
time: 9:17
